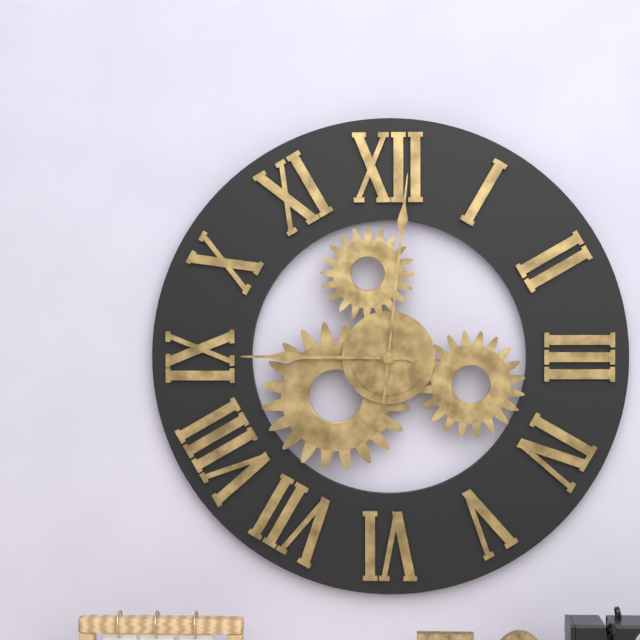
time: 9:01
